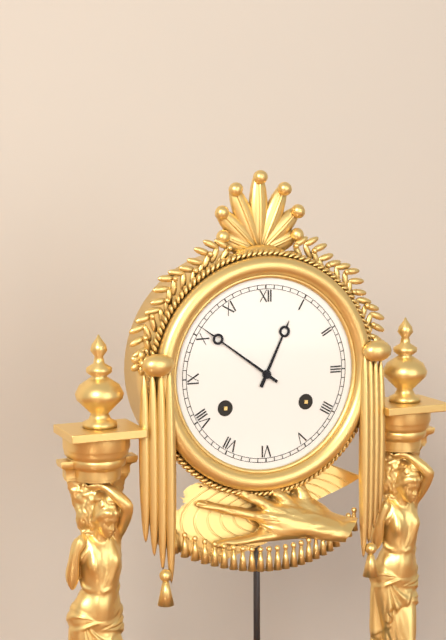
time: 12:51
